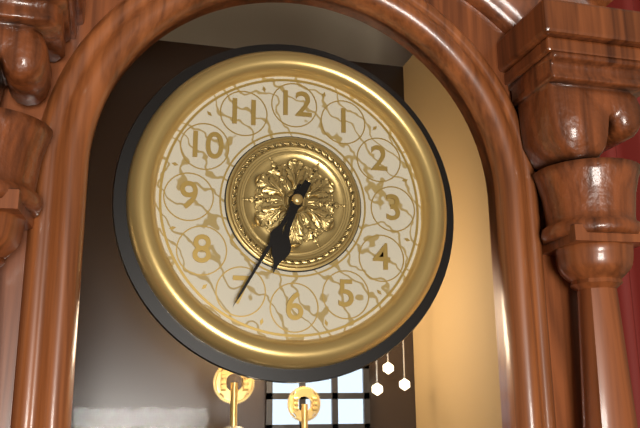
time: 6:35
